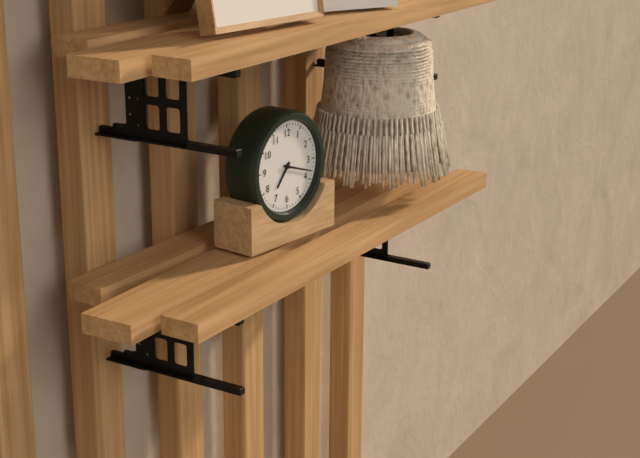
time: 7:18
